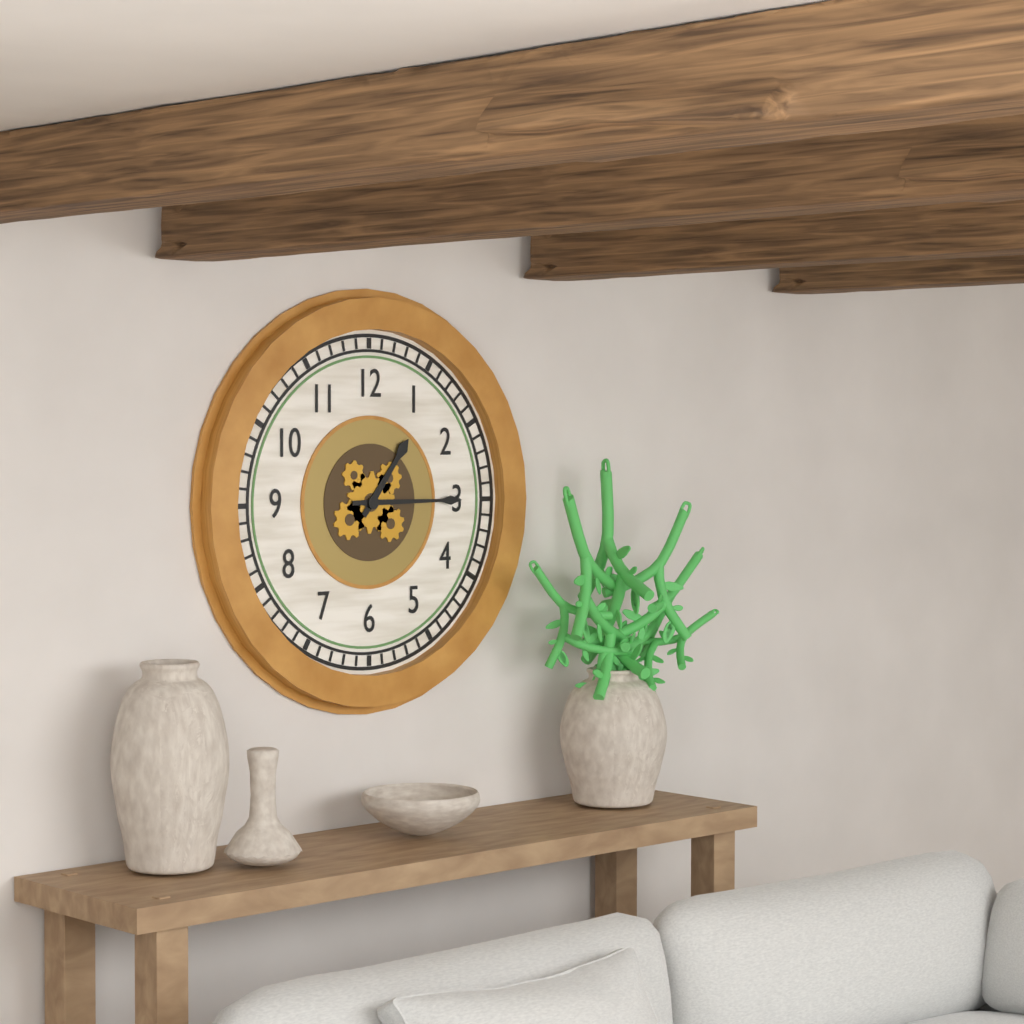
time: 1:15
